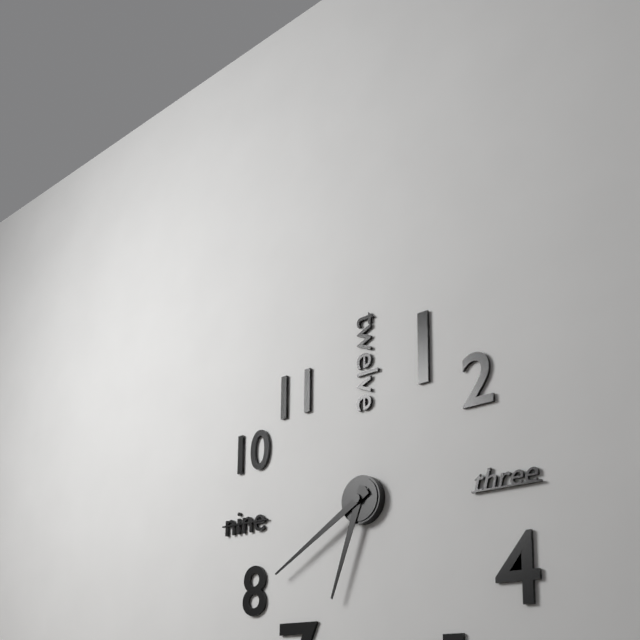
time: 6:40
